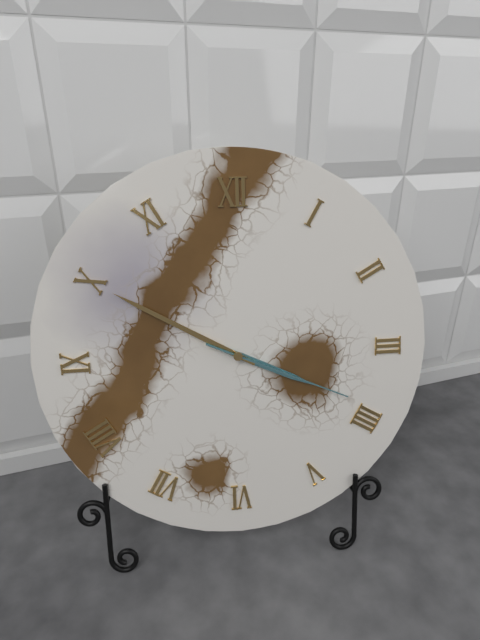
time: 3:50:19
